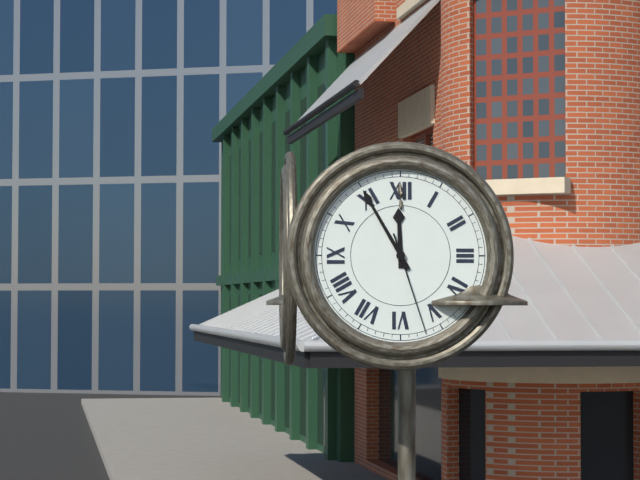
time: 11:55:27
